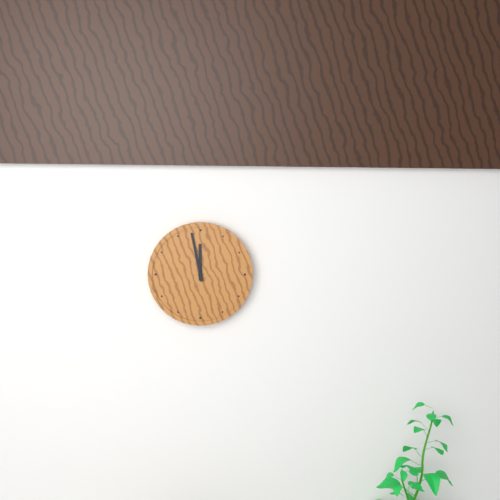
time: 11:58
